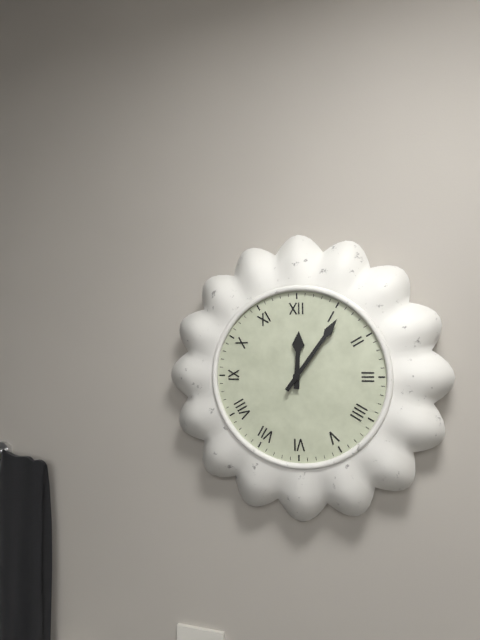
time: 12:06
